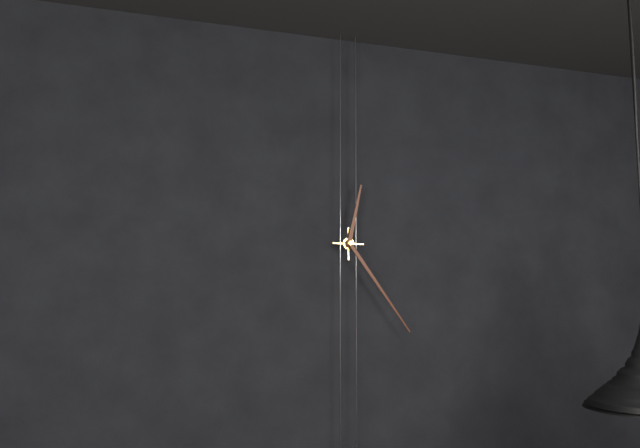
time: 12:24
